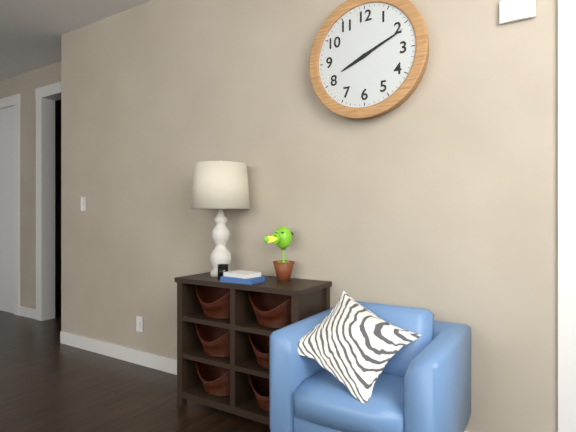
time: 8:11
